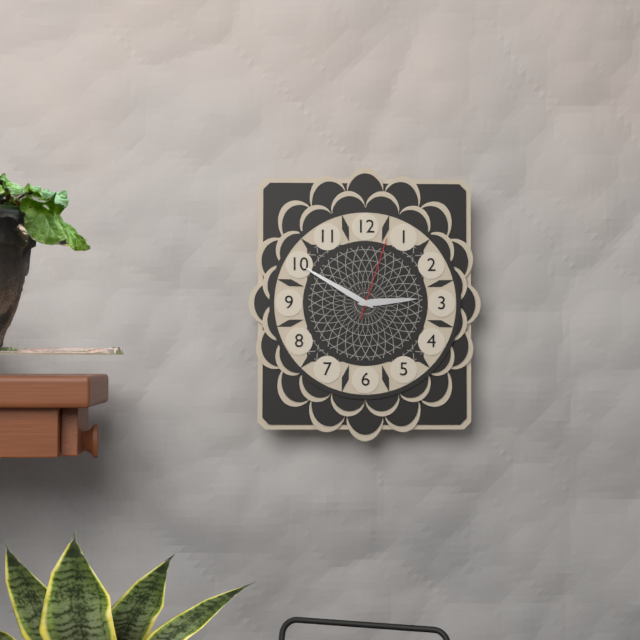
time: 2:50:03
